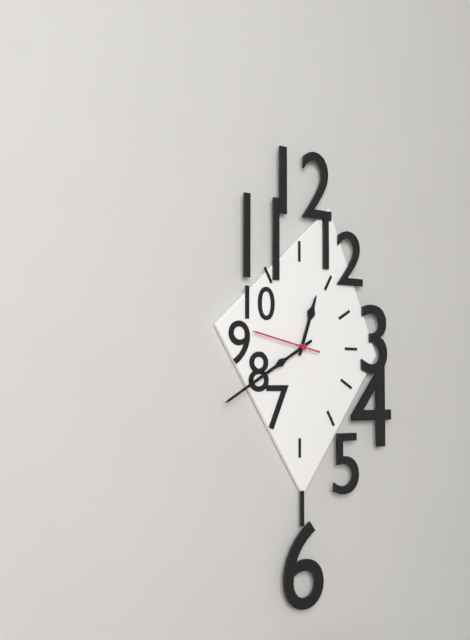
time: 12:40:47
